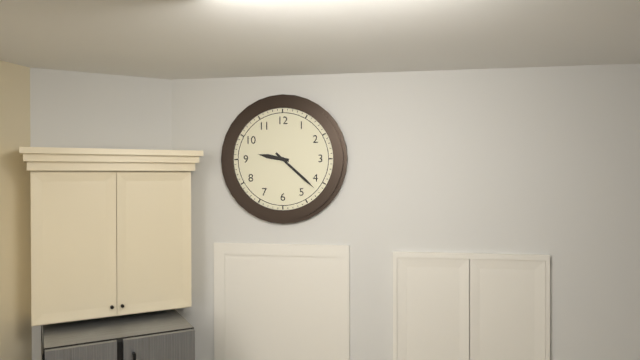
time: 9:22
